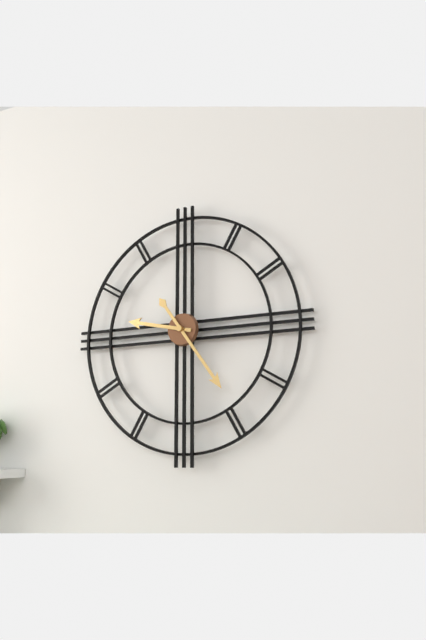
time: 9:24
